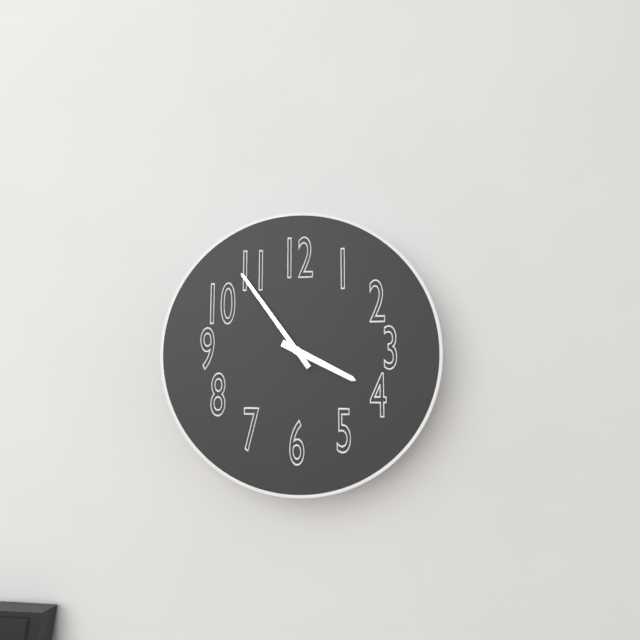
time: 3:54
